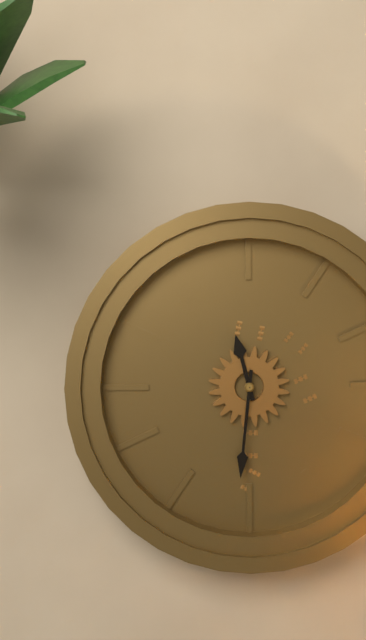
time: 11:31
